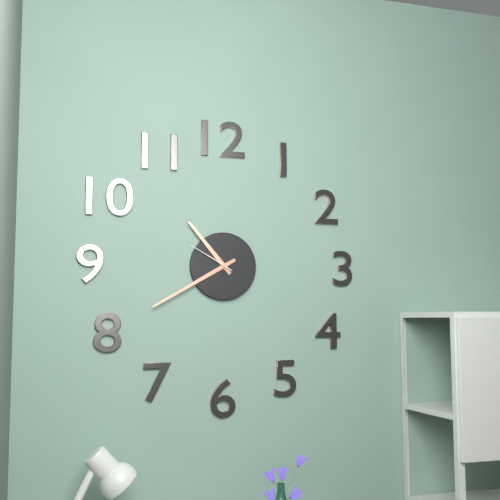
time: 10:40
